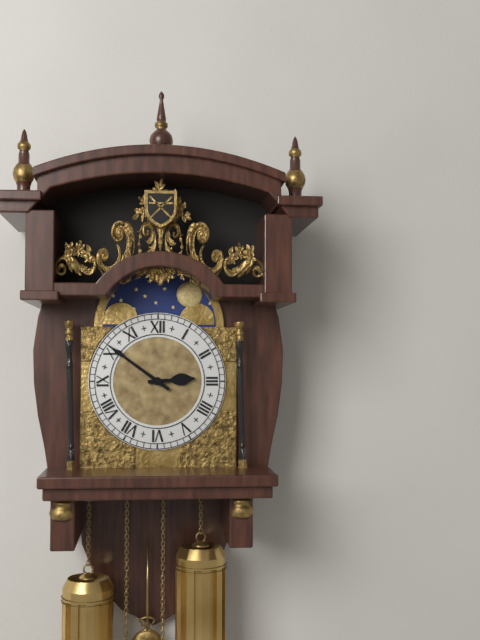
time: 2:51
